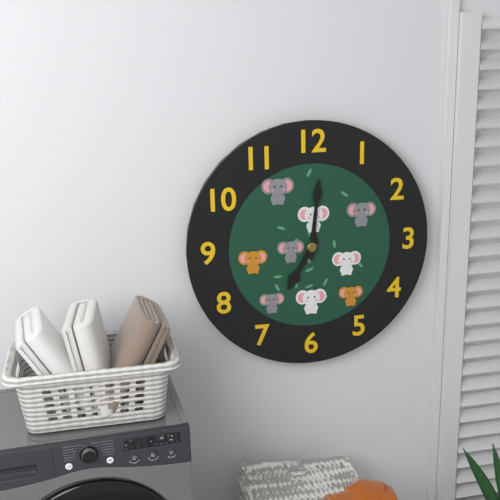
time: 7:01
